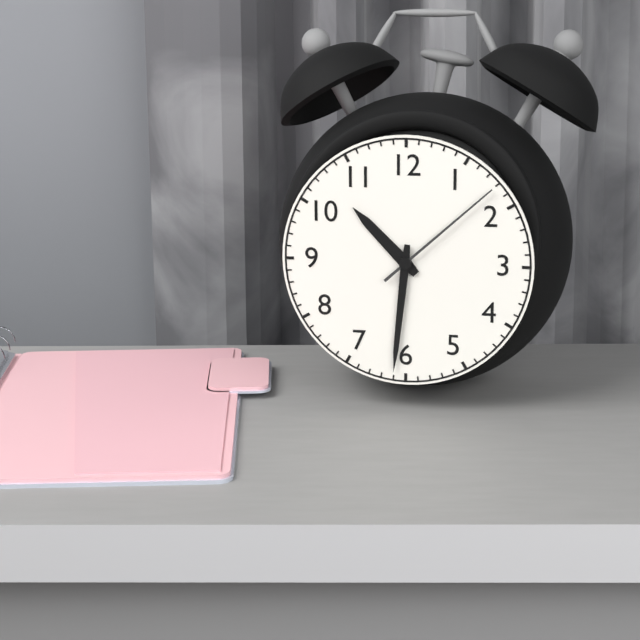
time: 10:31:08
